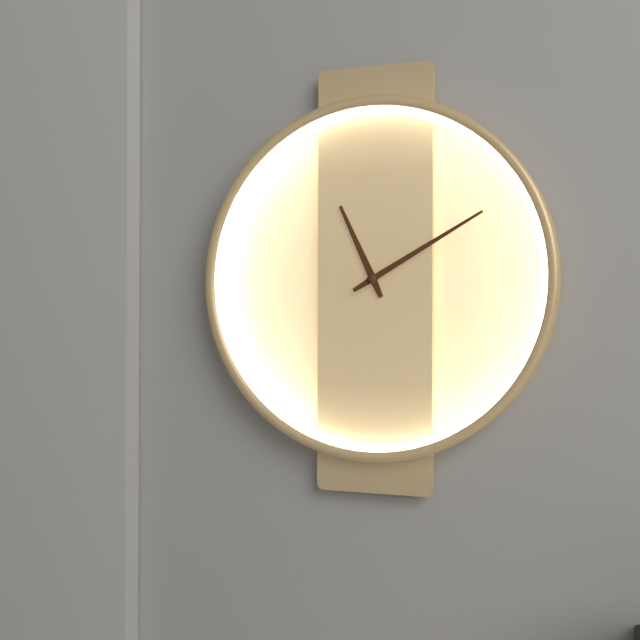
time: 11:10
